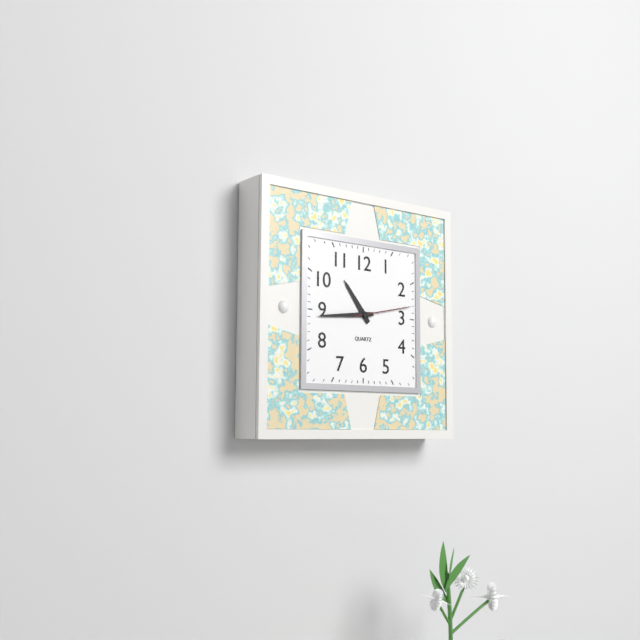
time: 10:44:13
